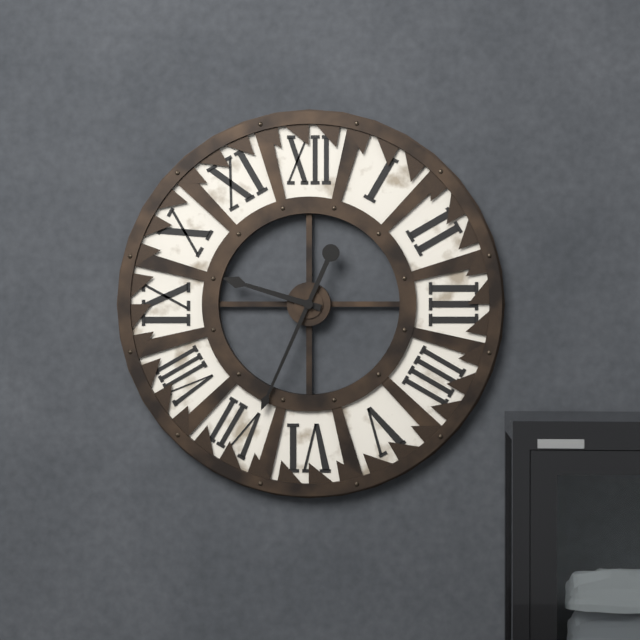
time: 9:34
